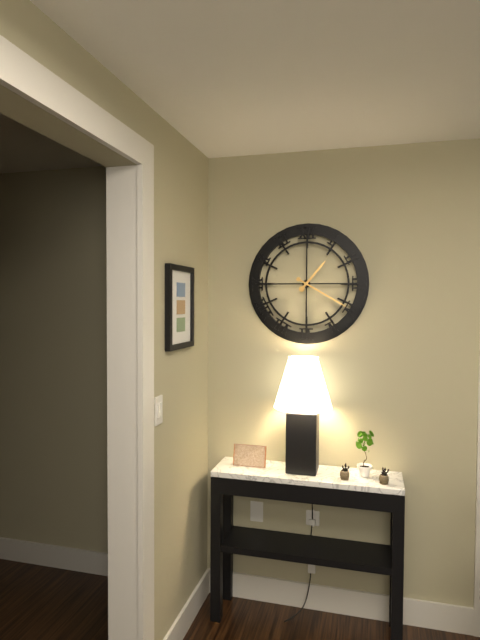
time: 1:20
